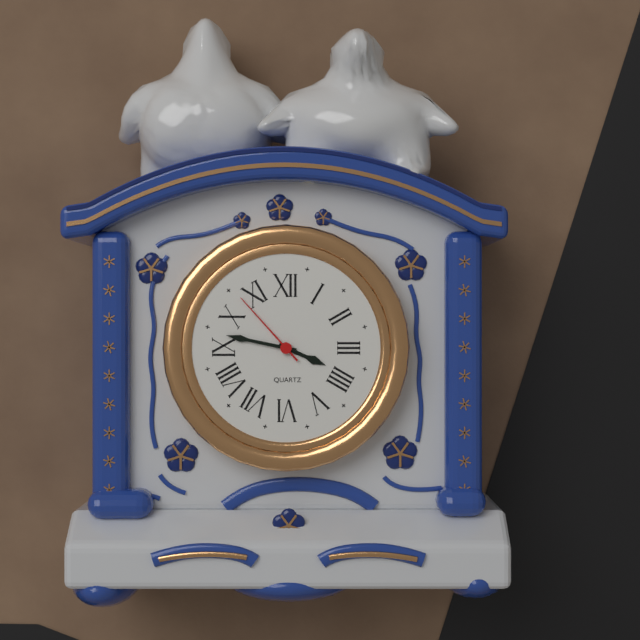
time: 3:47:53
